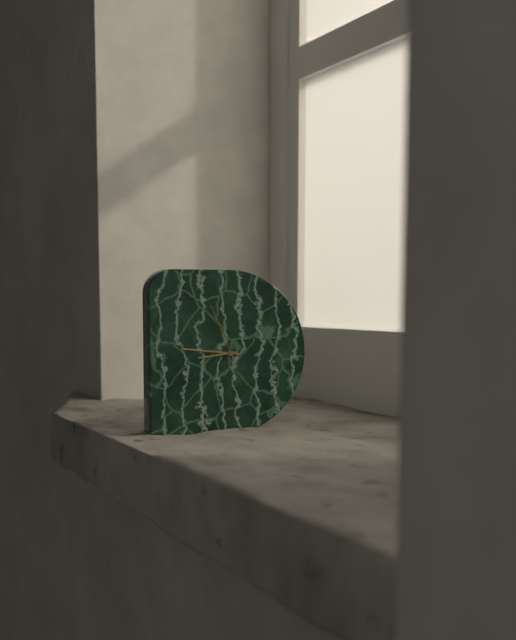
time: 8:46:56
